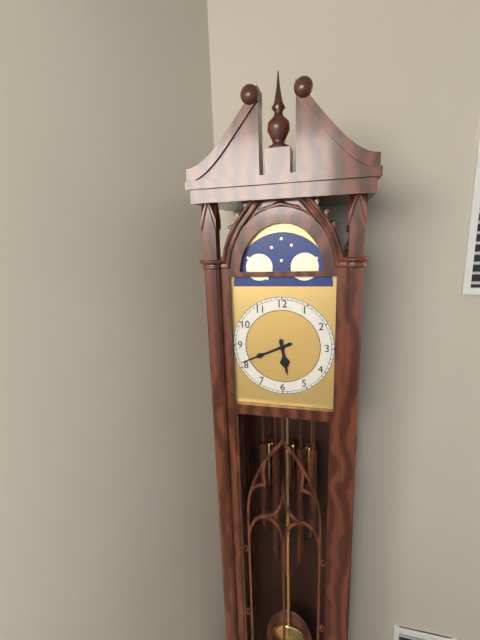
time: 5:41
